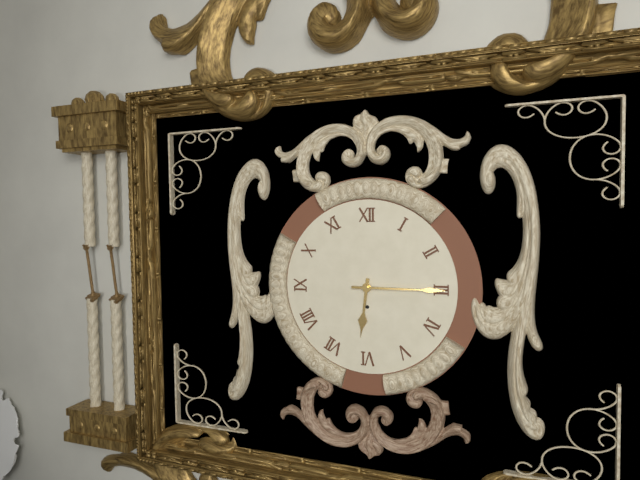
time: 6:15
